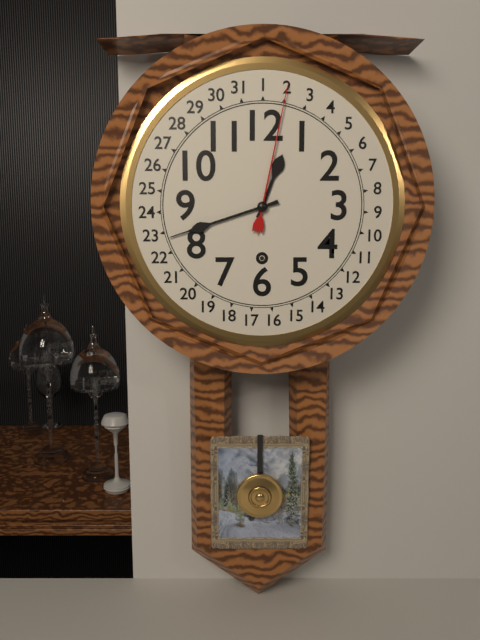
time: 12:42
